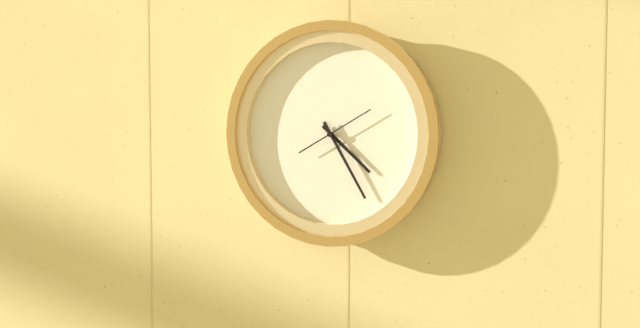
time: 4:25:10
